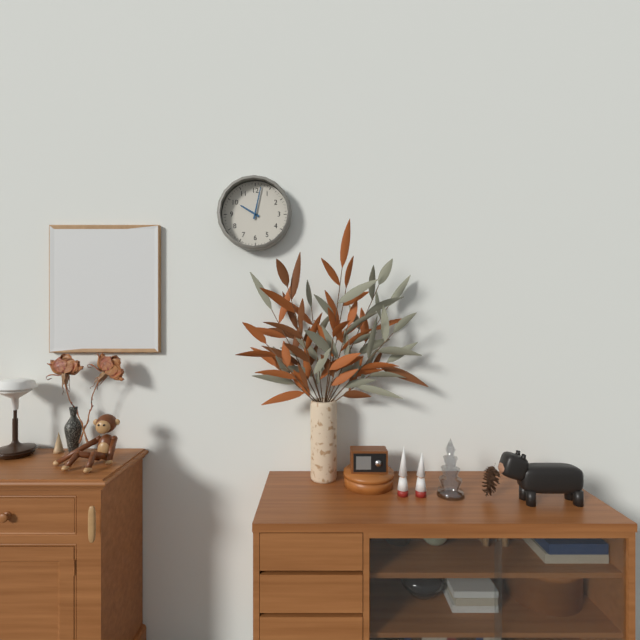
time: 10:02
